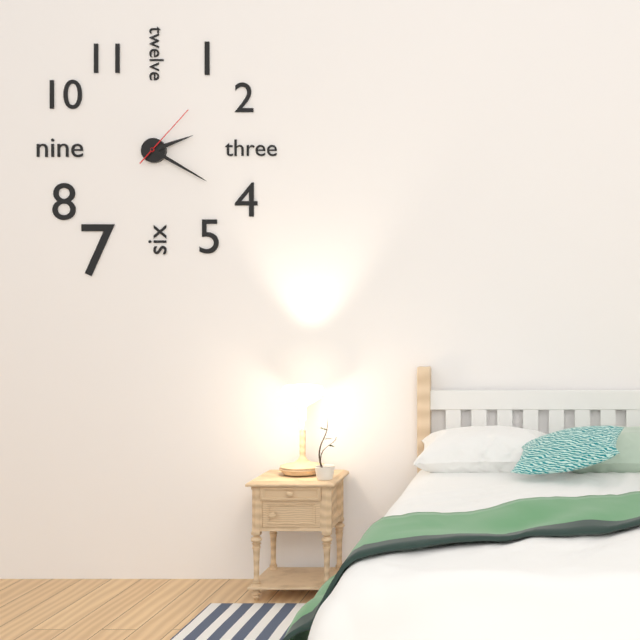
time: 2:20:07
